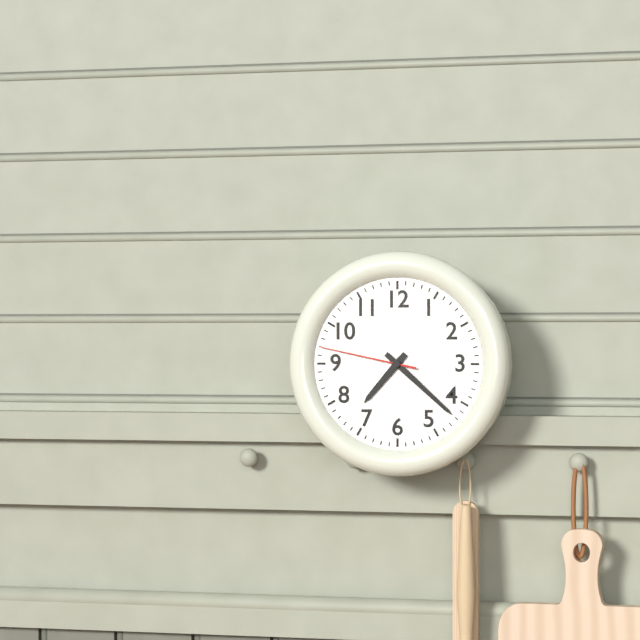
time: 7:22:47
